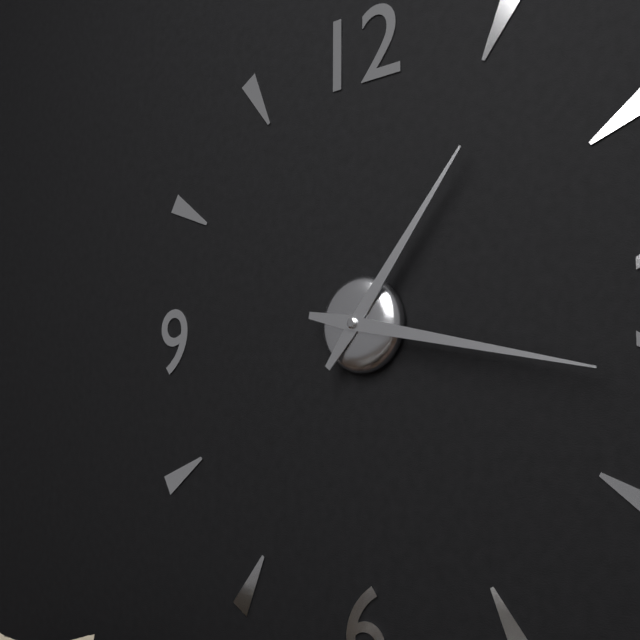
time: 1:17
